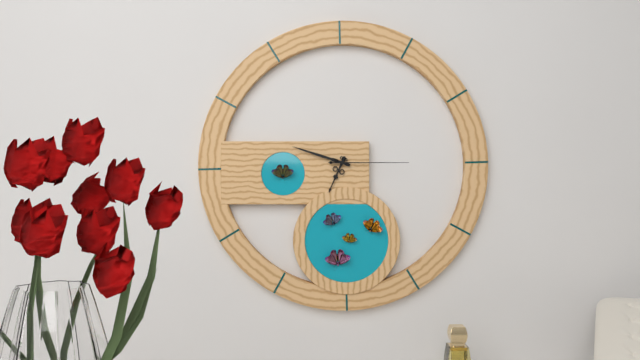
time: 6:48:15
